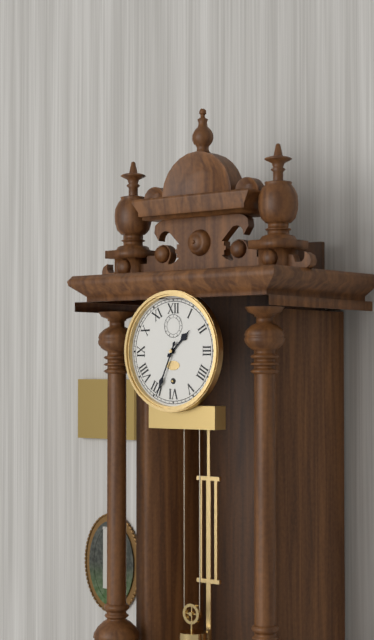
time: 1:34
